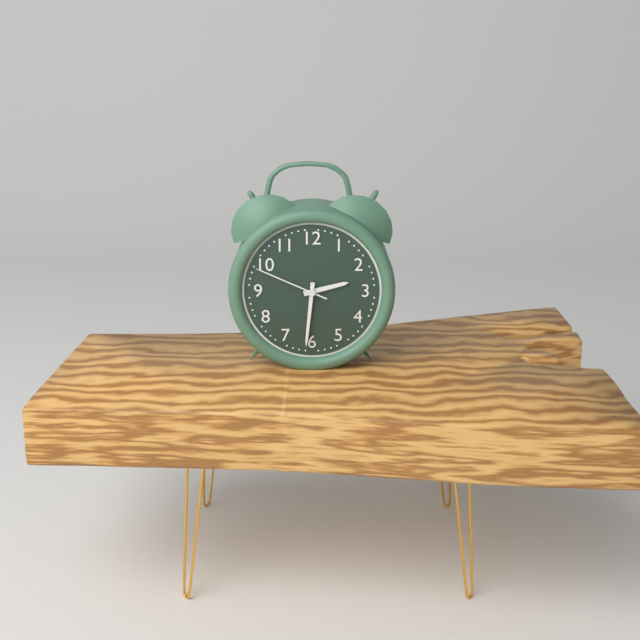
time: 2:31:49
